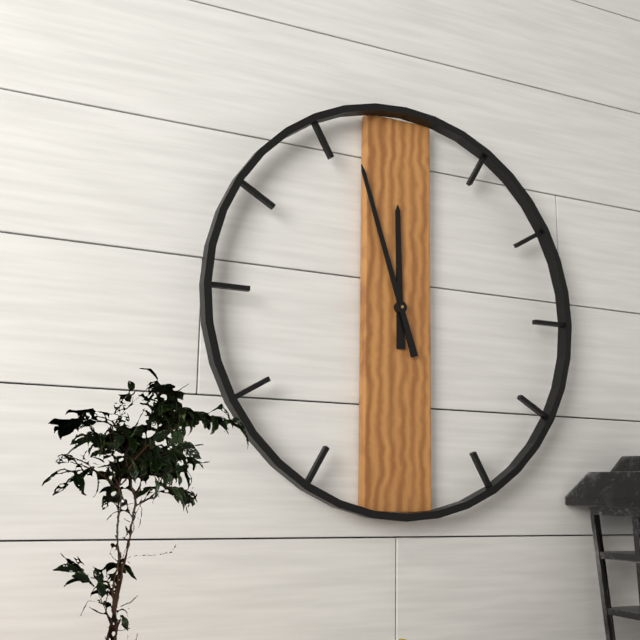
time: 11:57
